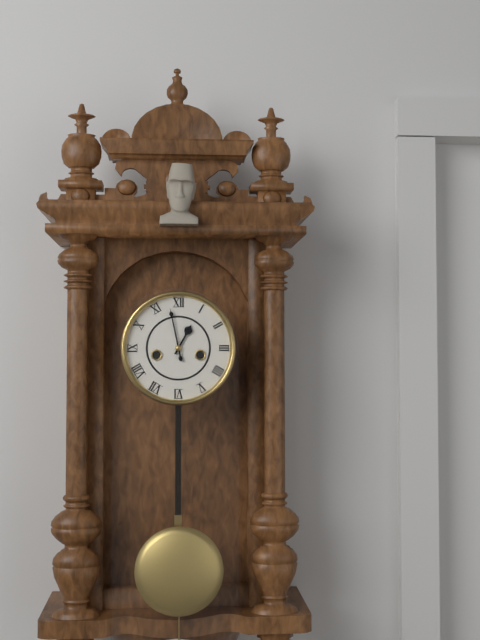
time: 12:58
